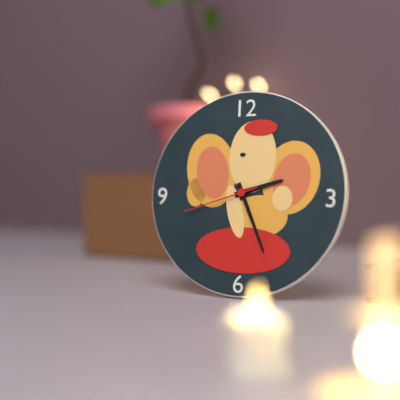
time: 2:26:42
